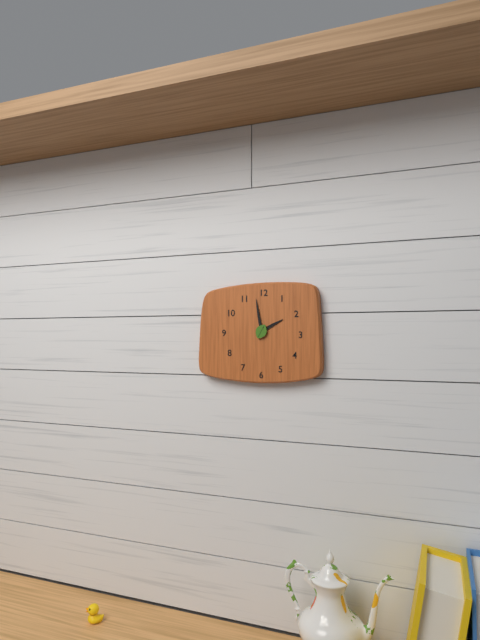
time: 1:58
